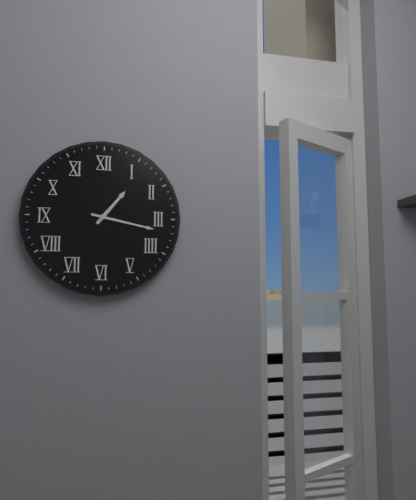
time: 1:17
